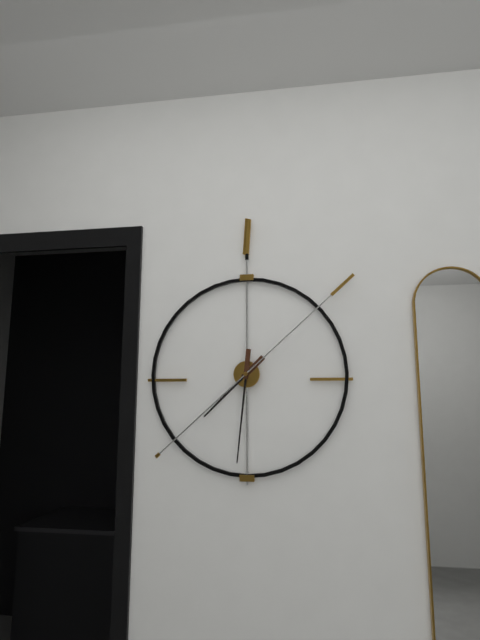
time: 7:31:08
